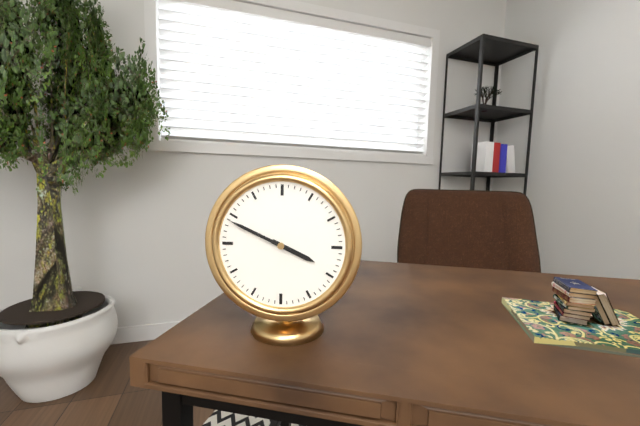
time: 3:49
